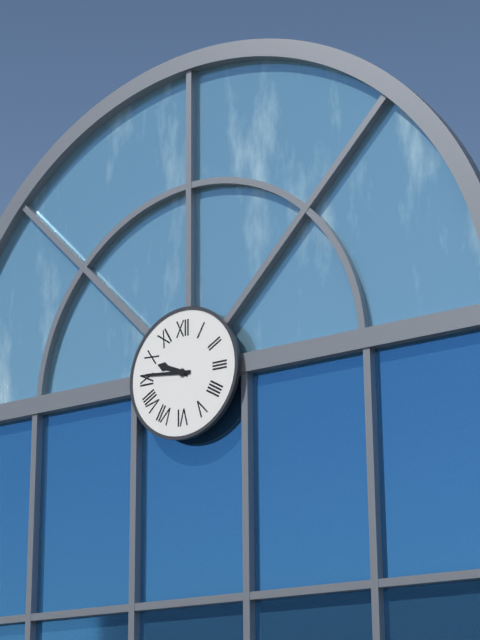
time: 9:46
